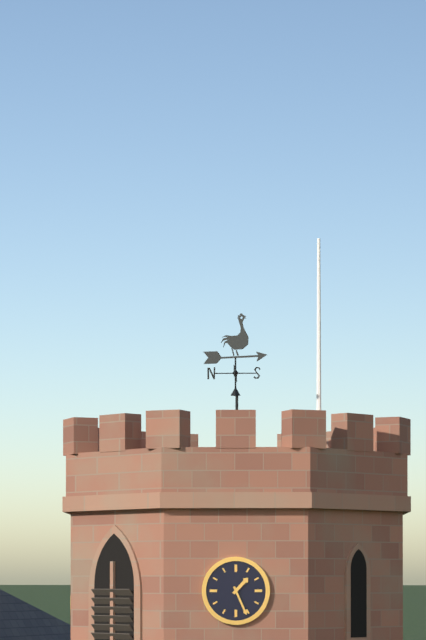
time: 1:26
